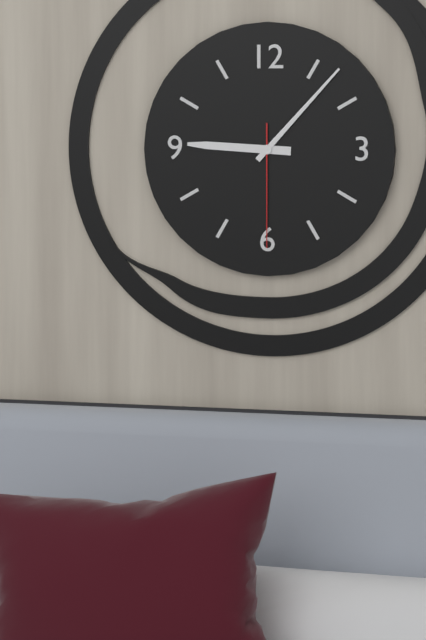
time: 9:07:30
